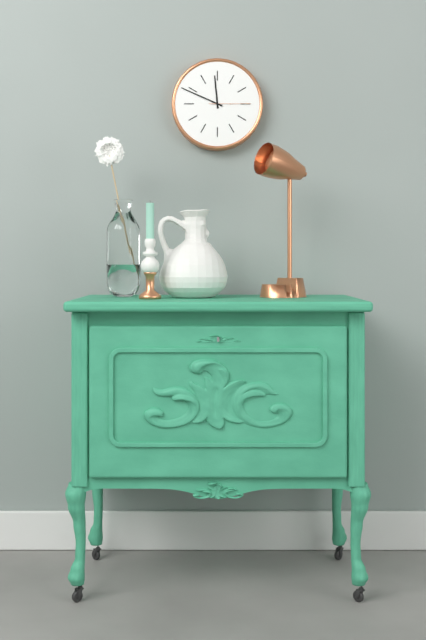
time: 11:49
